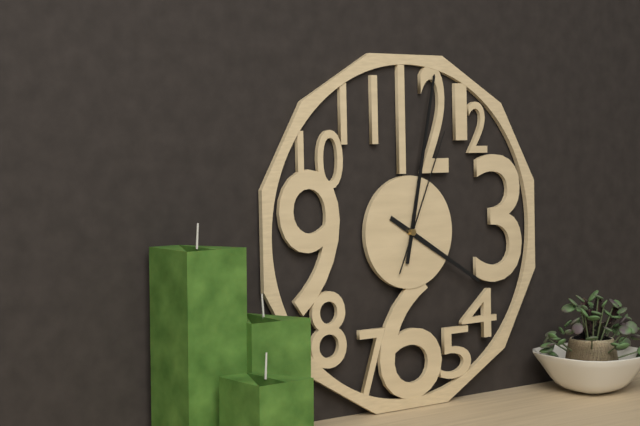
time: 4:02:04
